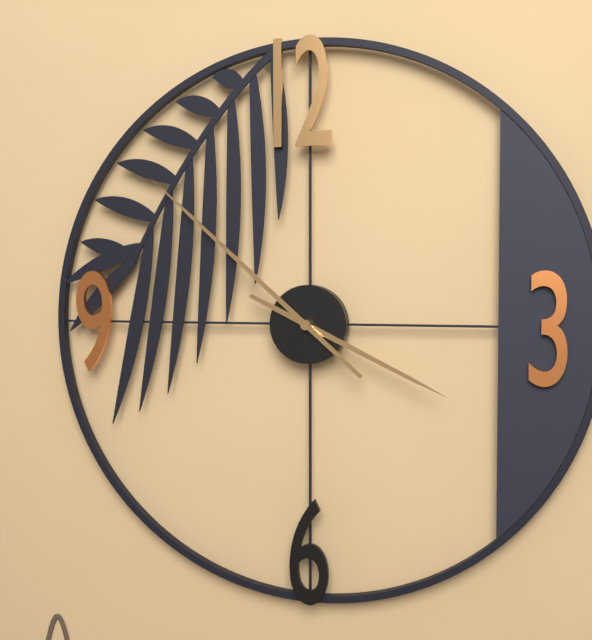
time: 3:52
